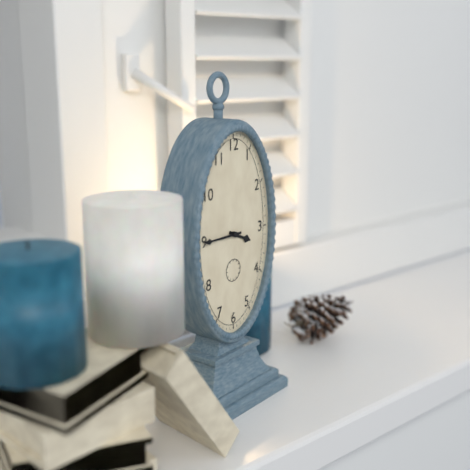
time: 3:45
